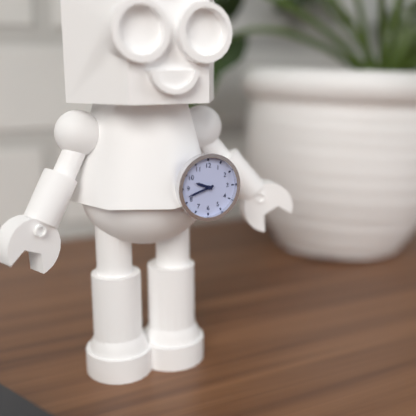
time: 9:42
